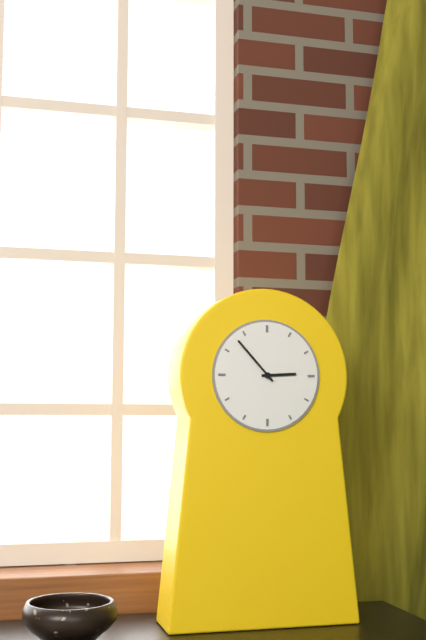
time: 2:53
